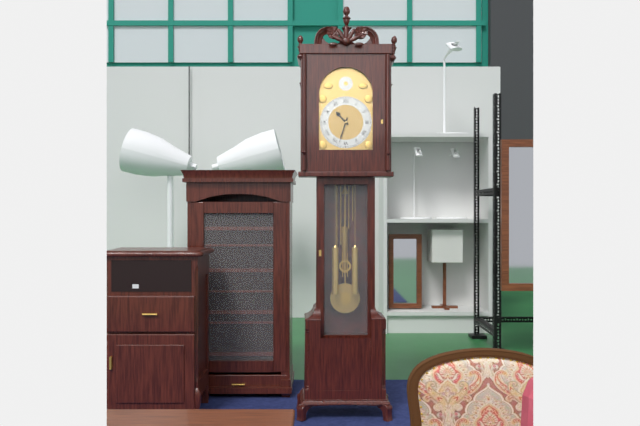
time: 10:33
